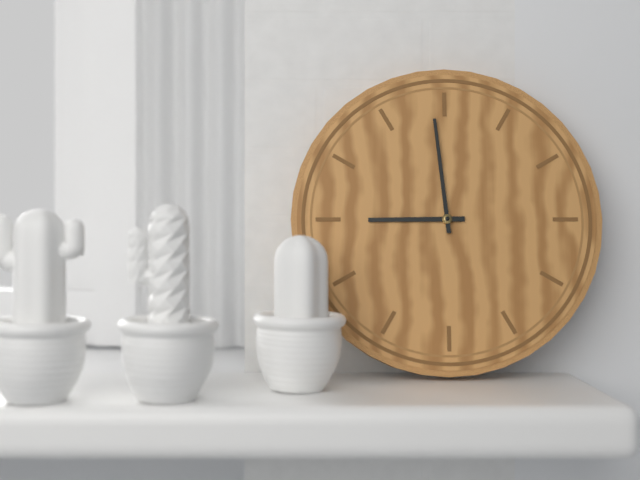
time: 8:59
